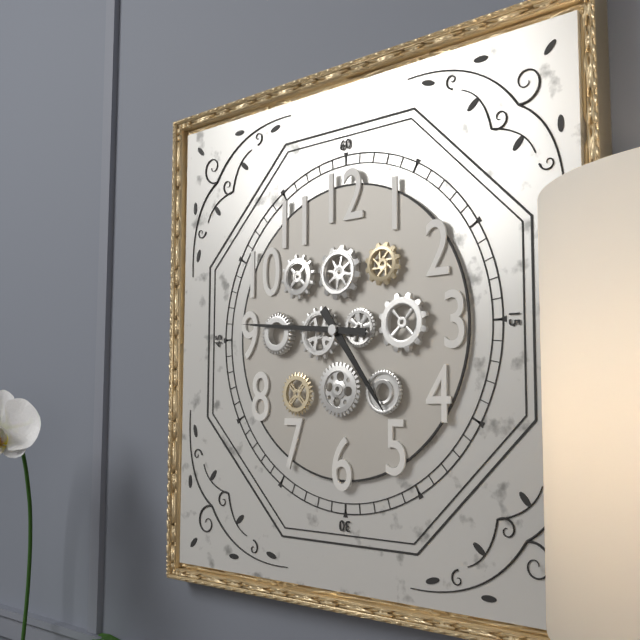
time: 4:46
